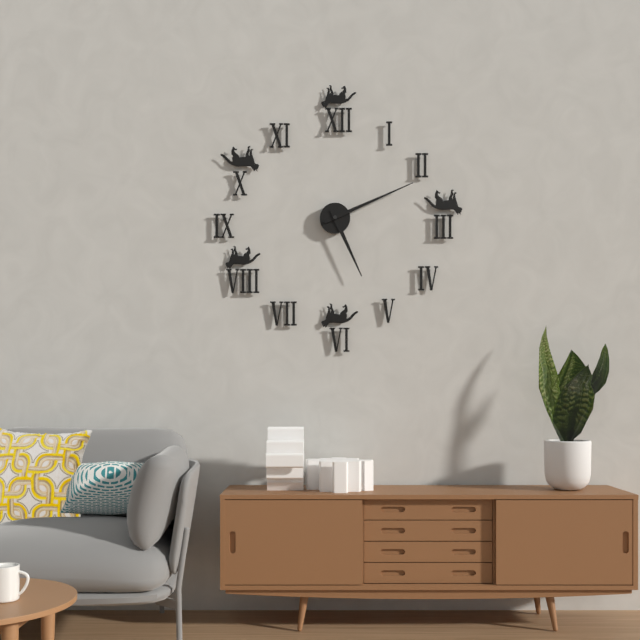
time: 5:11
